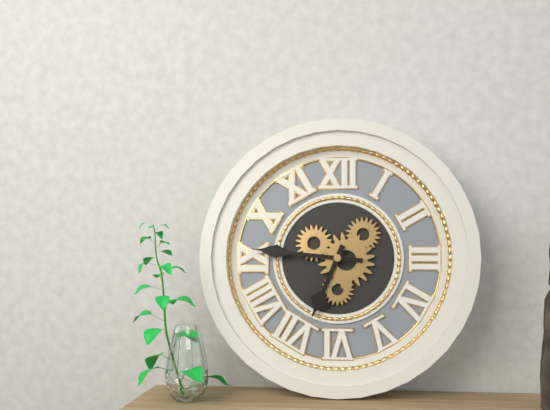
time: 6:46
